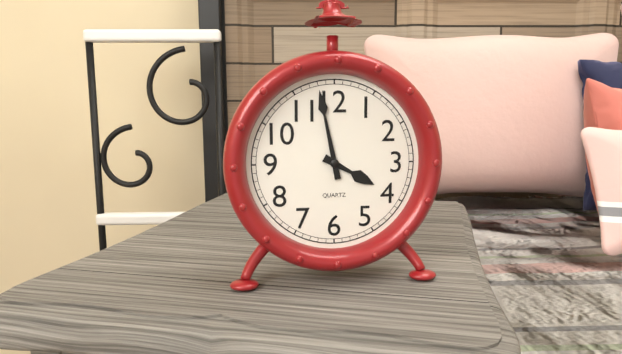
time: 3:58
